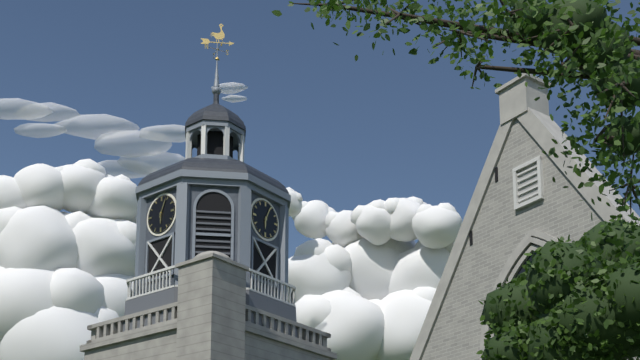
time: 6:04
